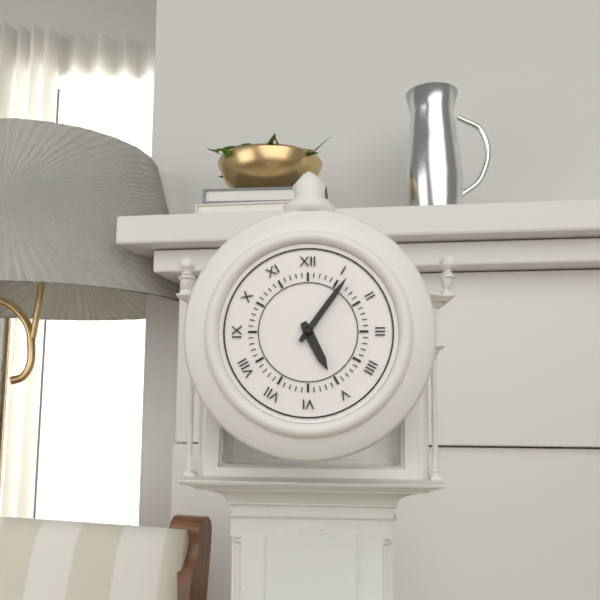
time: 5:06
